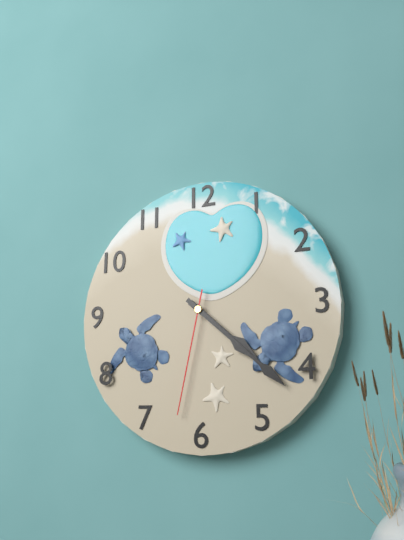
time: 4:22:32
